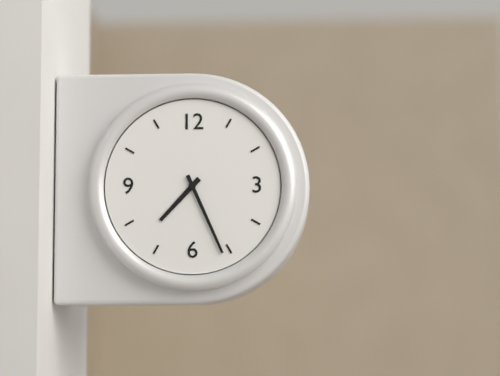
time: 7:26
